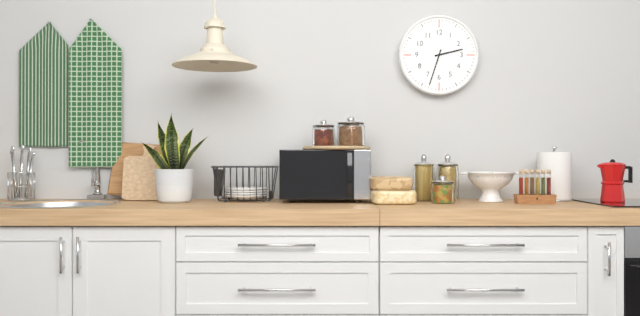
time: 2:33
